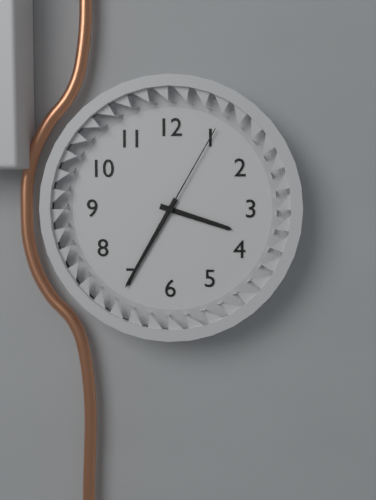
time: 3:35:05
